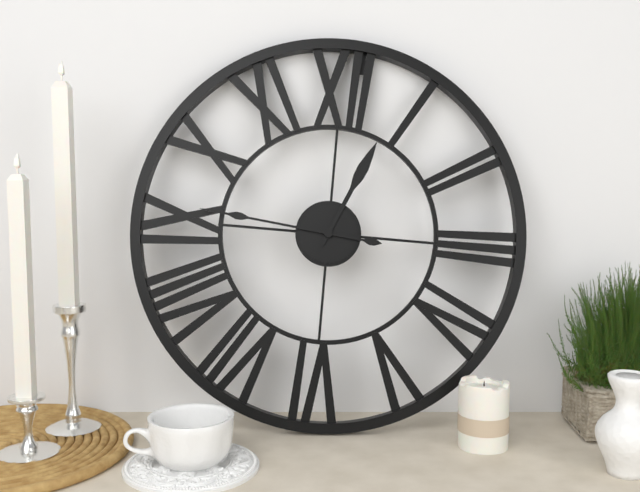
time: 12:46
